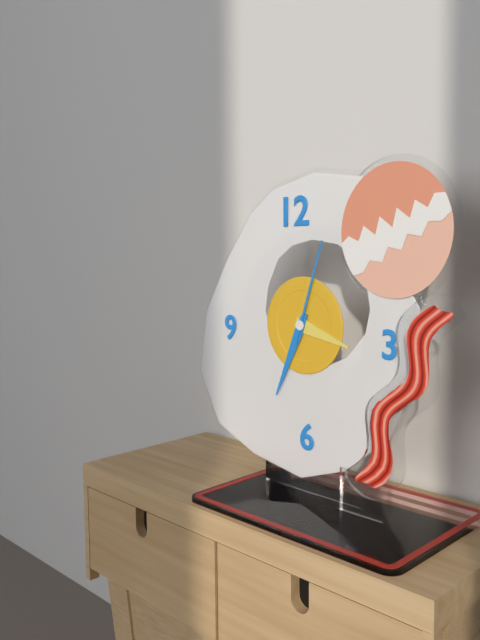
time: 3:34:03
